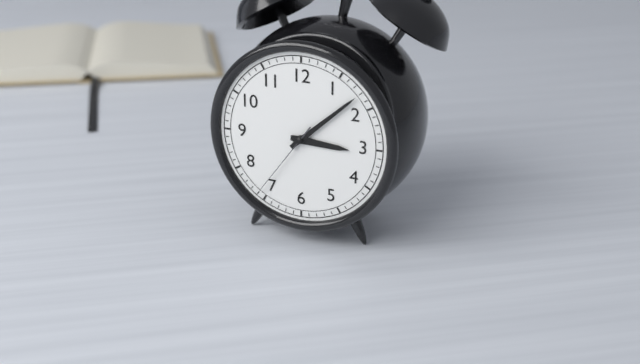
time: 3:08:36
